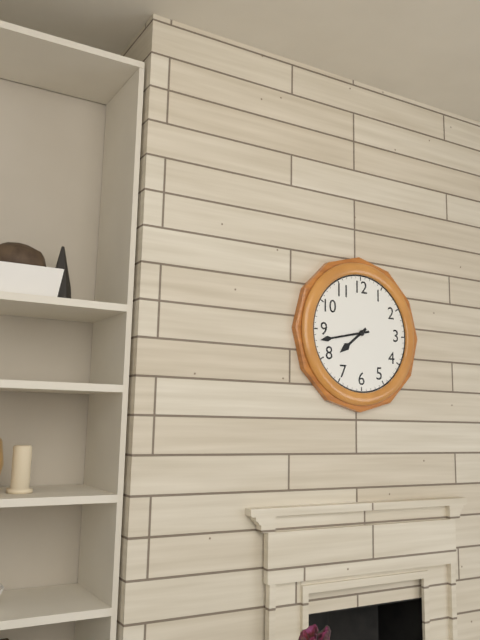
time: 7:43
